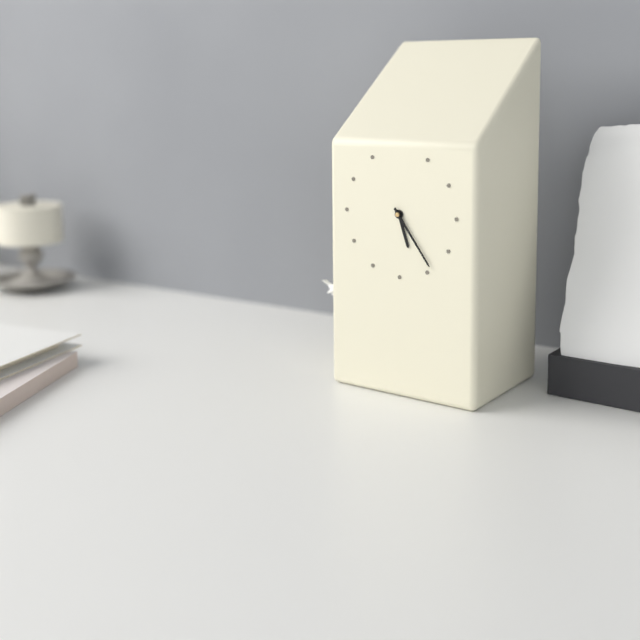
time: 5:24
